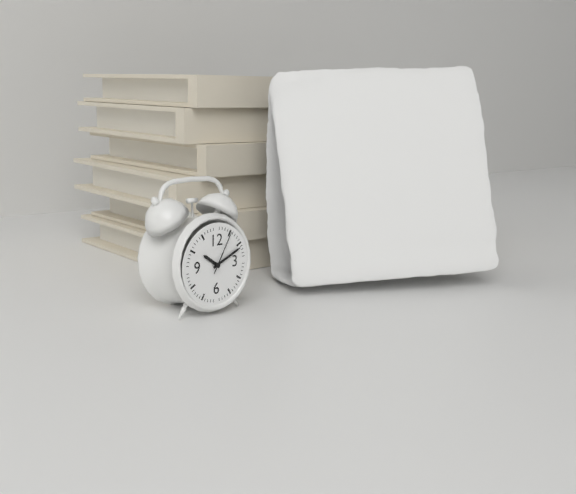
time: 10:11
